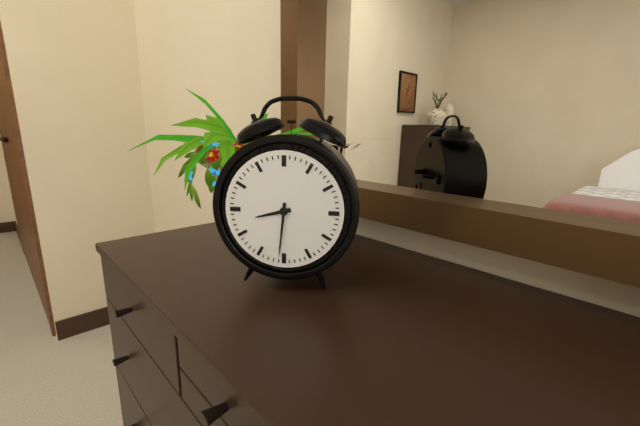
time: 8:31
